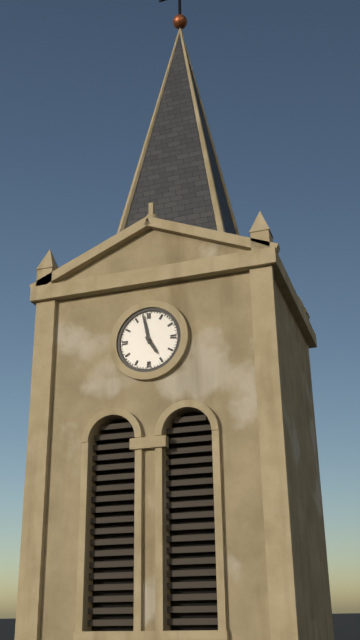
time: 4:58
